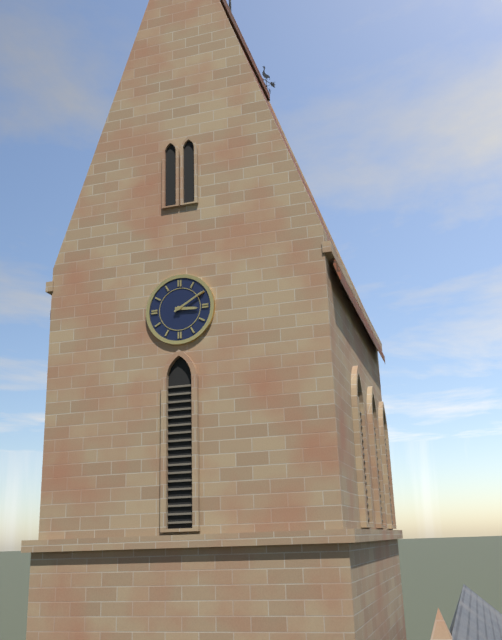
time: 3:10
